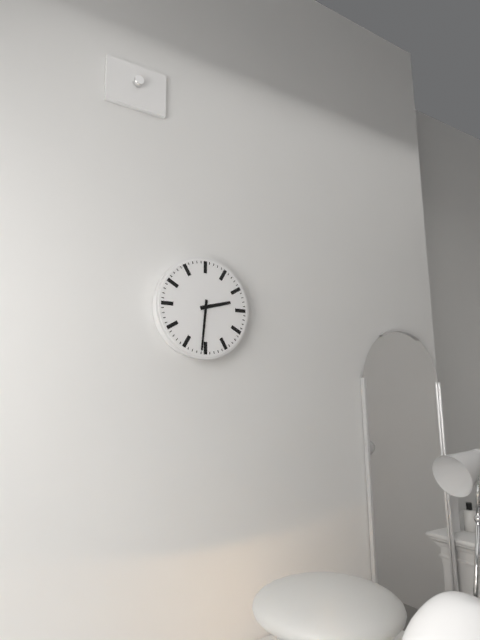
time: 2:31
